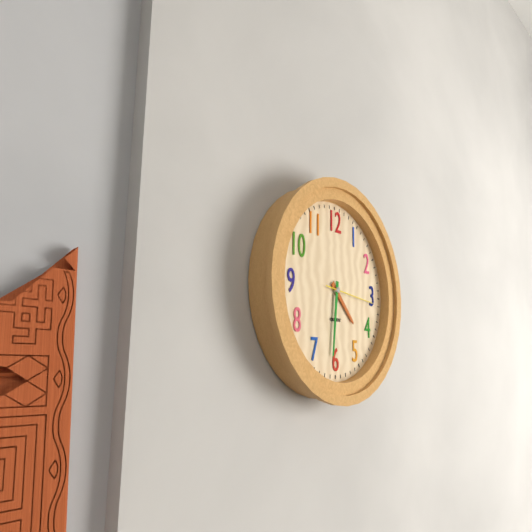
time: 4:31
